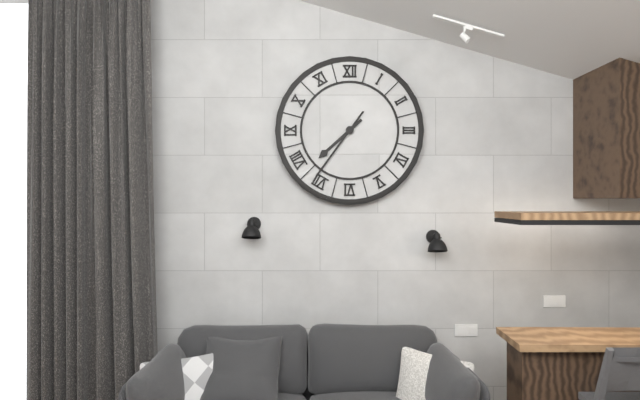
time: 7:36
